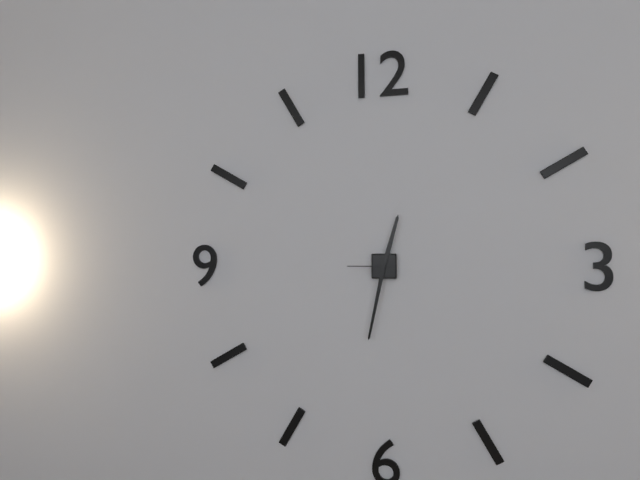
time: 12:32
